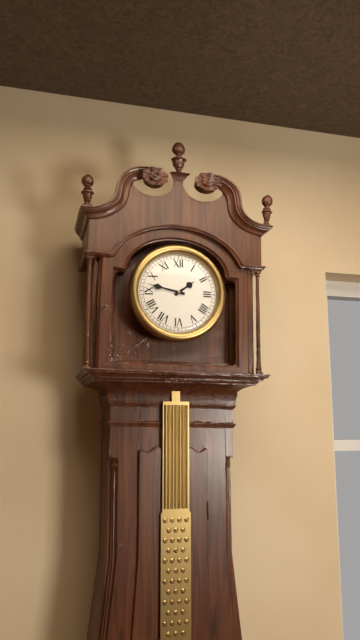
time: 1:47
